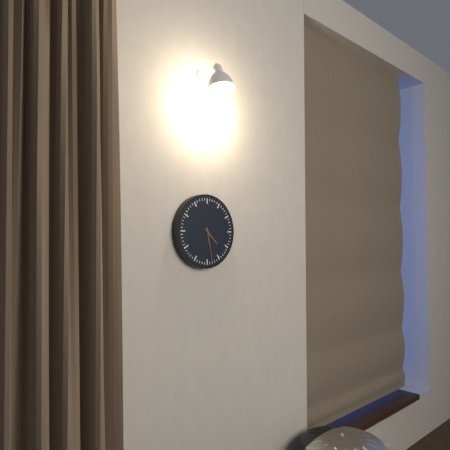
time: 4:28
